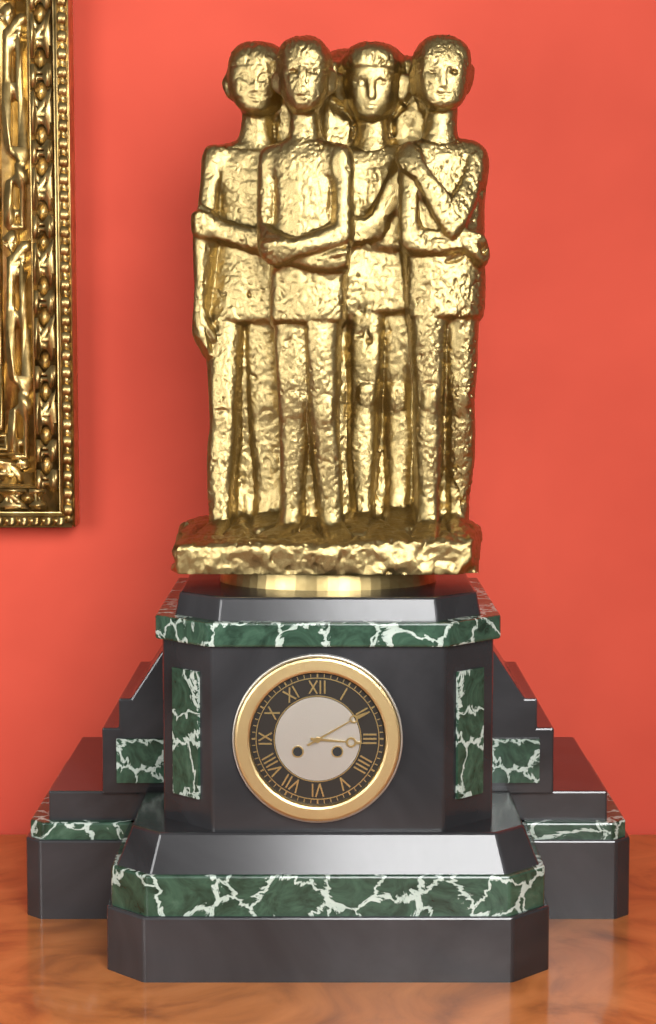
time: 3:10
